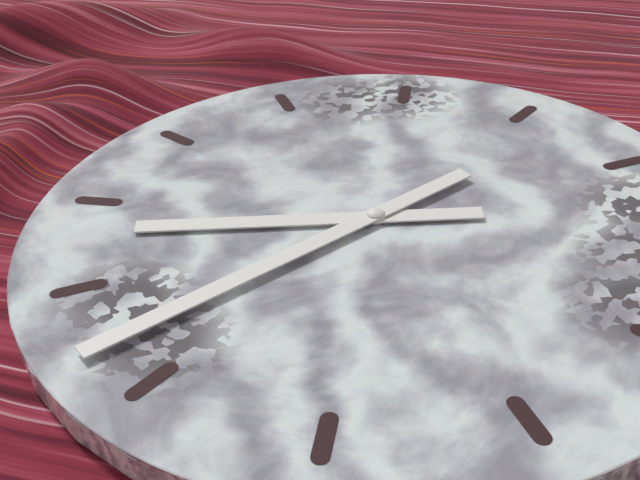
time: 8:37
